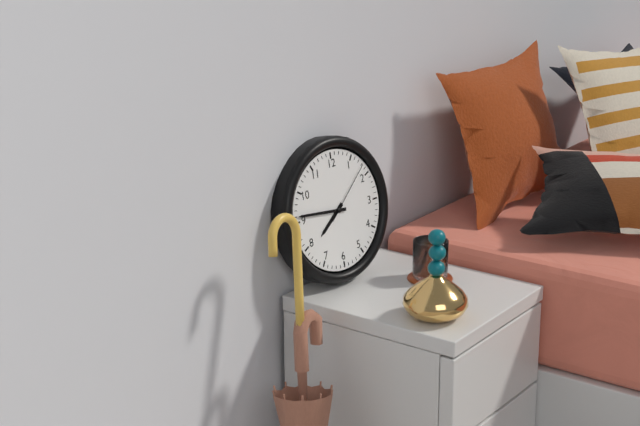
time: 7:46:08
